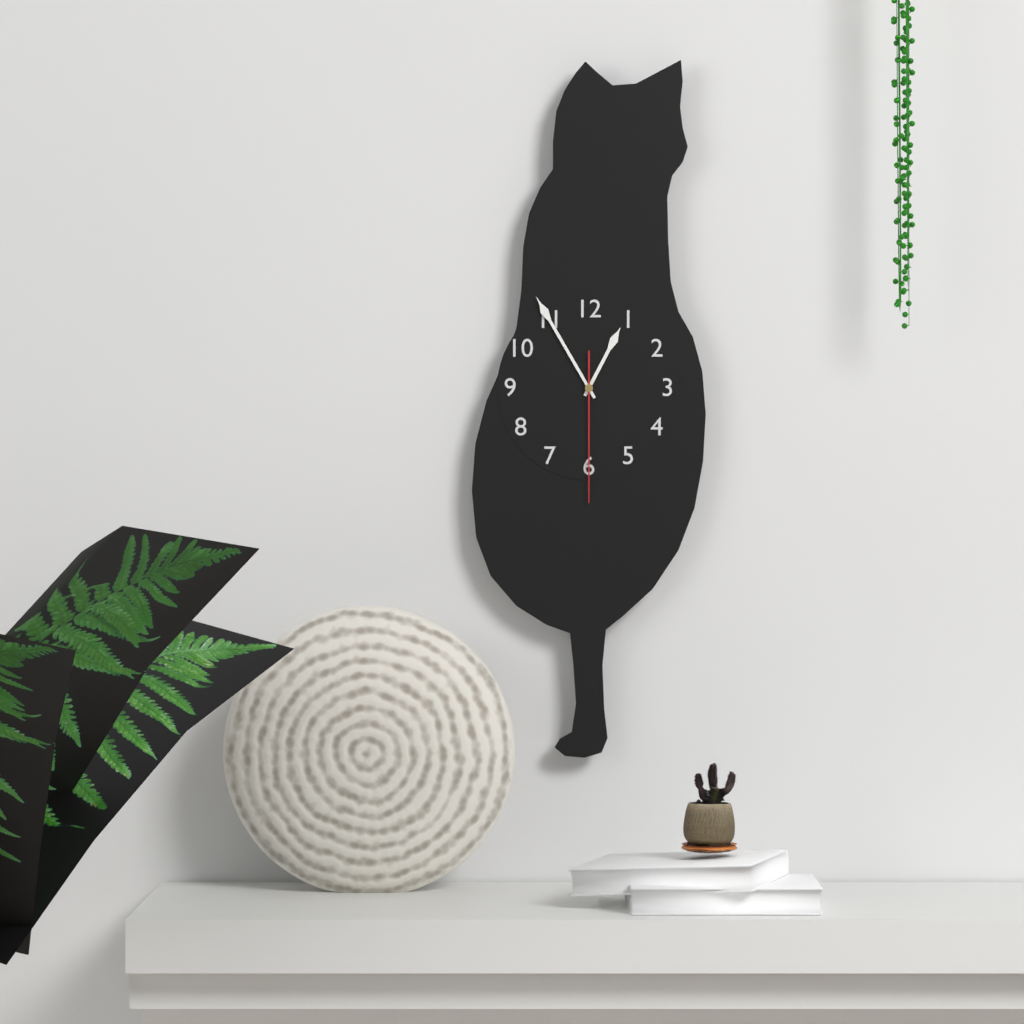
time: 12:55:30
